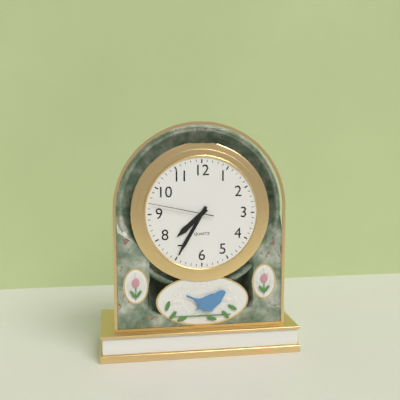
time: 7:35:47
